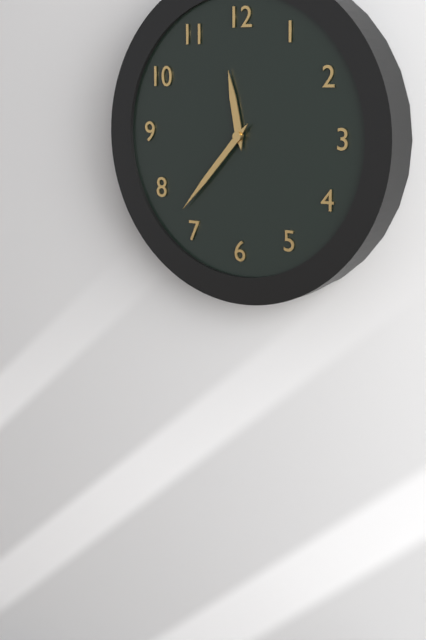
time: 11:37
